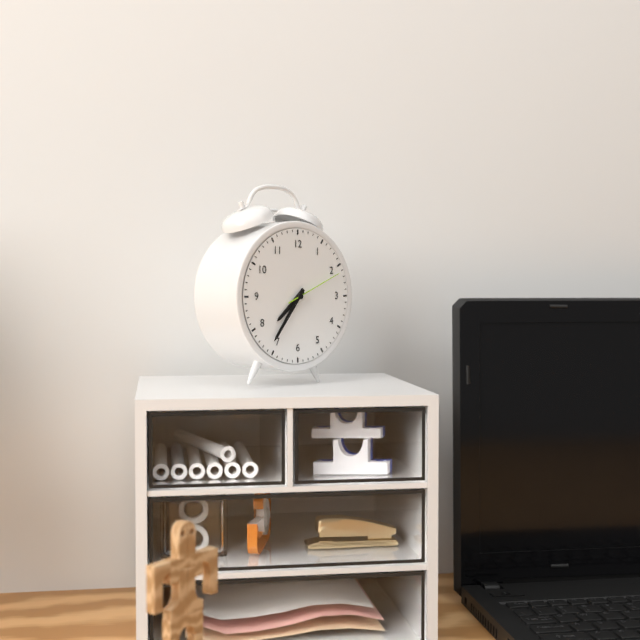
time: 7:36:11
